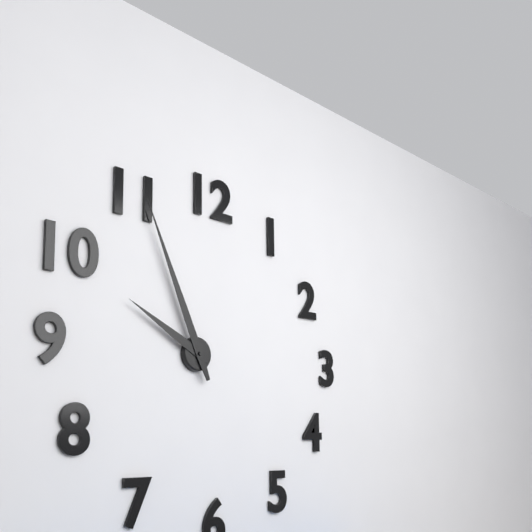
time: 9:56
